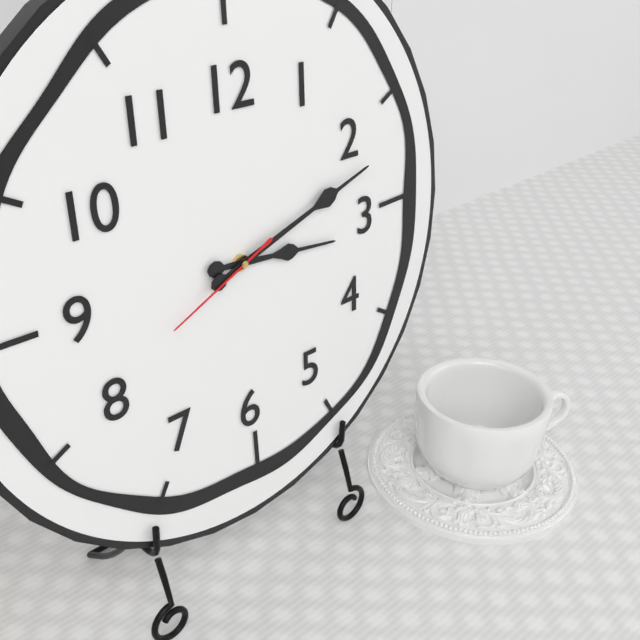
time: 3:12:41
